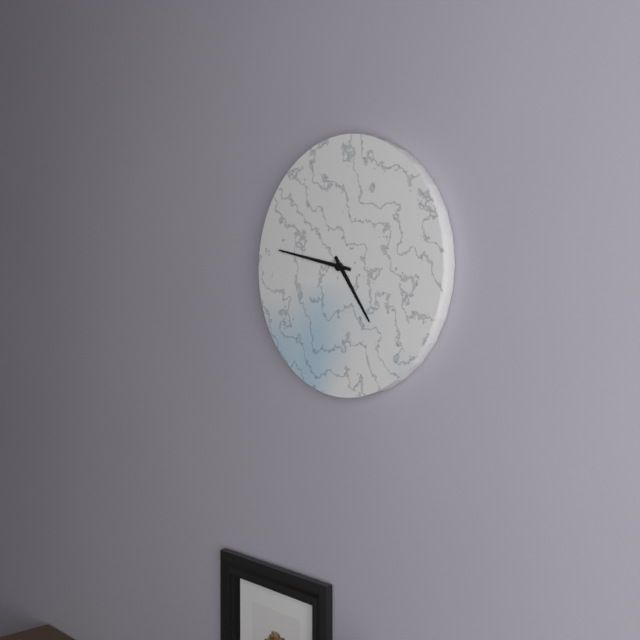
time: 4:47
